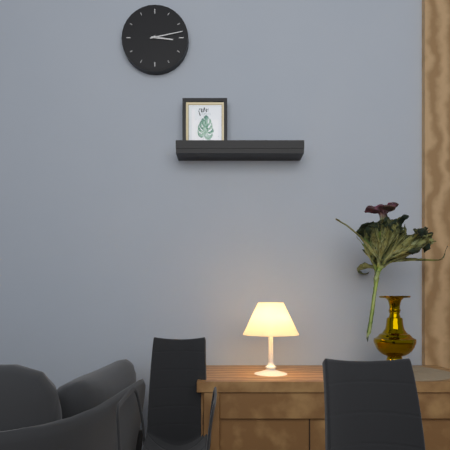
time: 3:13
